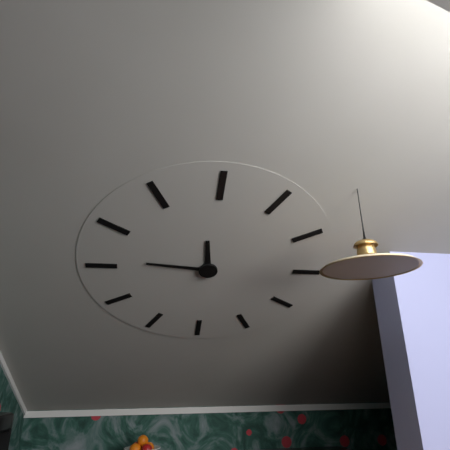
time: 11:46
